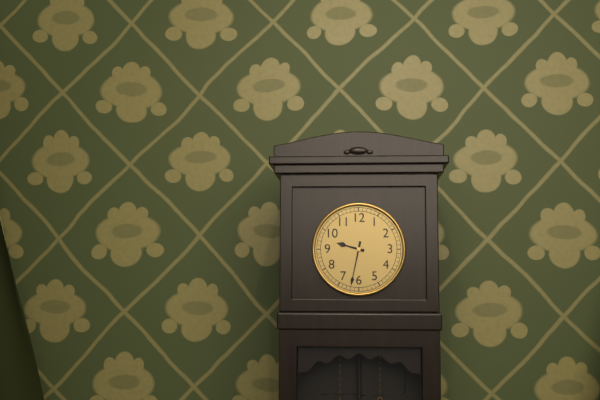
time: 9:32
